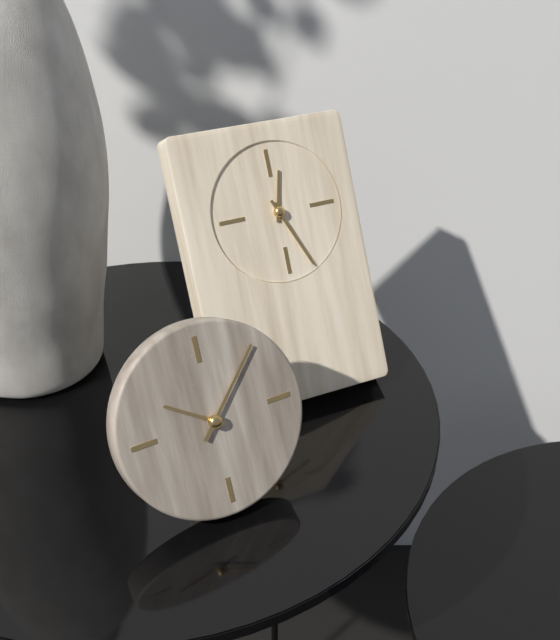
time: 12:26
